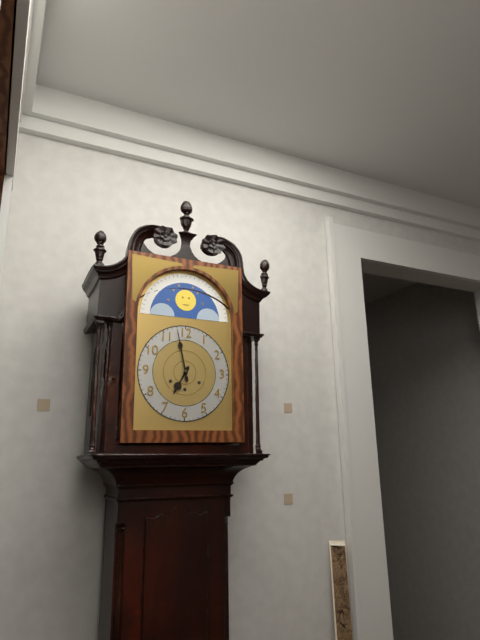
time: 6:58
